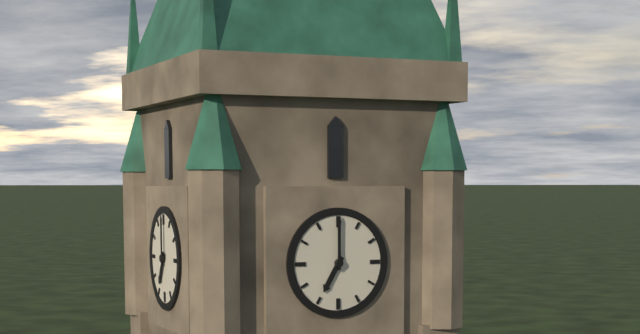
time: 7:00
